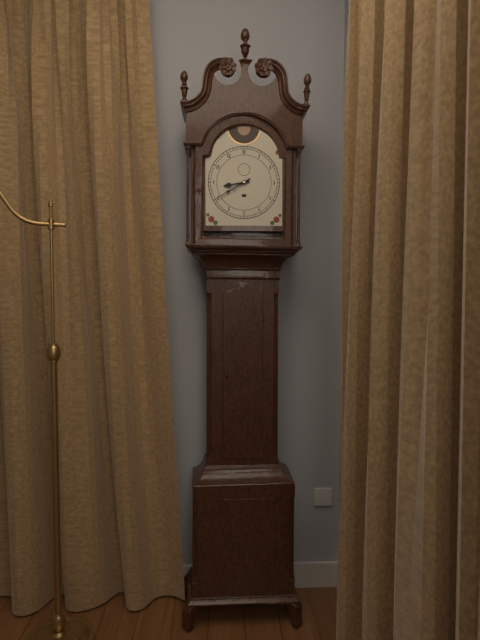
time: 8:40
